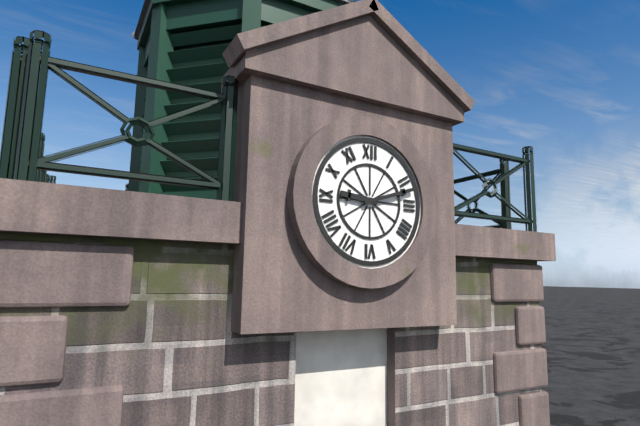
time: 9:12
